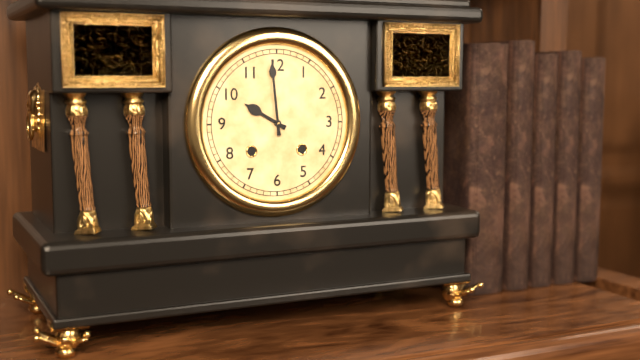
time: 9:59
